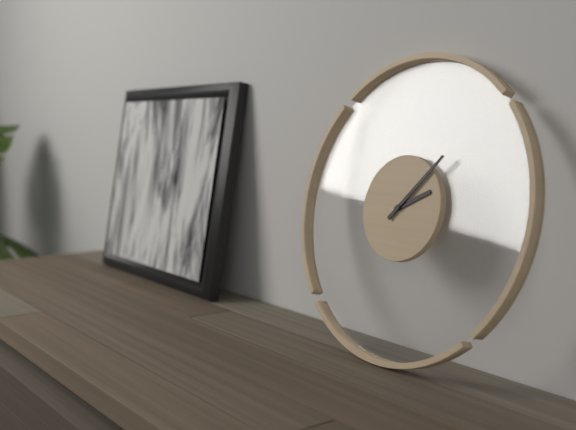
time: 2:07
